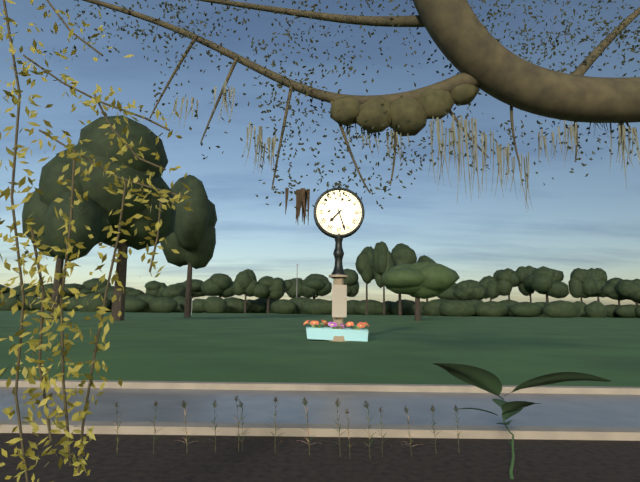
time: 7:27
